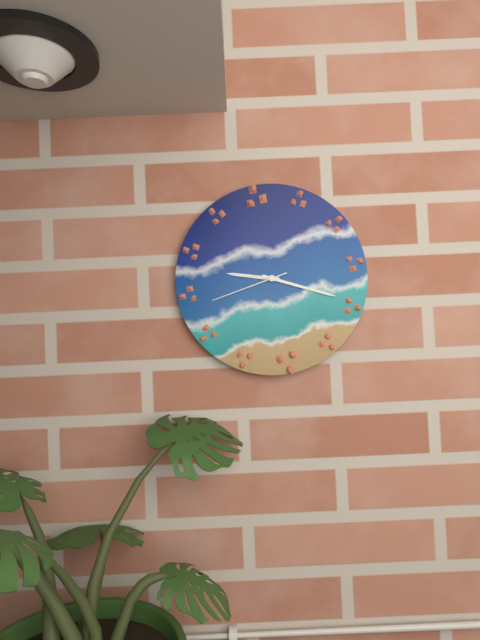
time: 9:18:42
